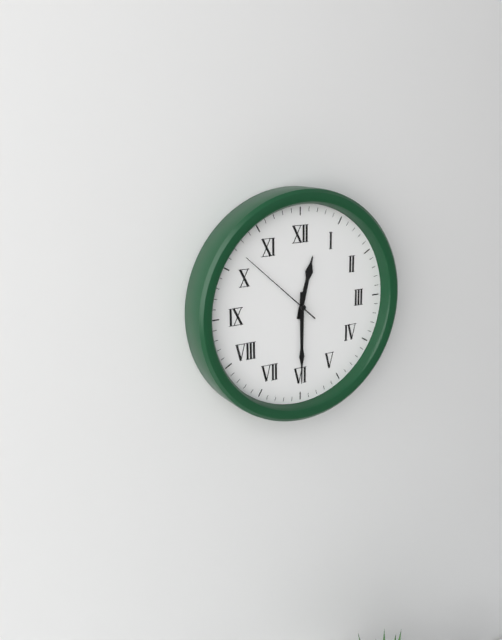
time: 12:30:52
